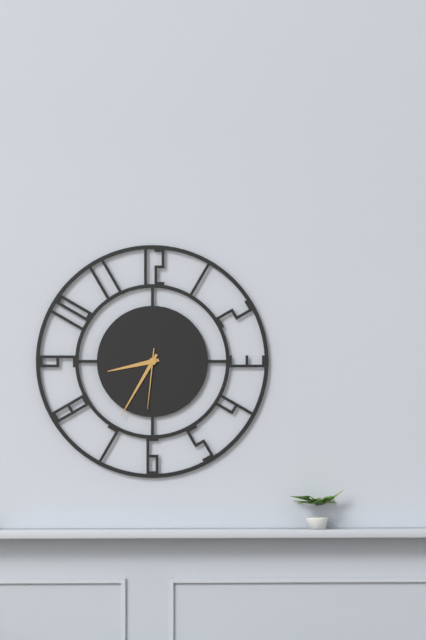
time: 8:35:31
